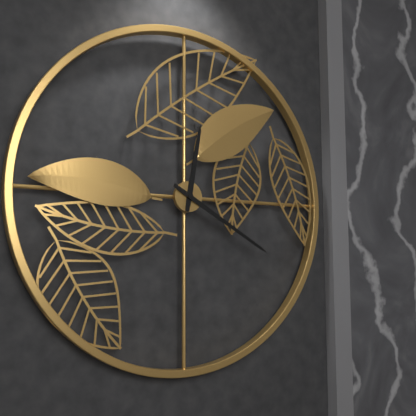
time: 12:20
